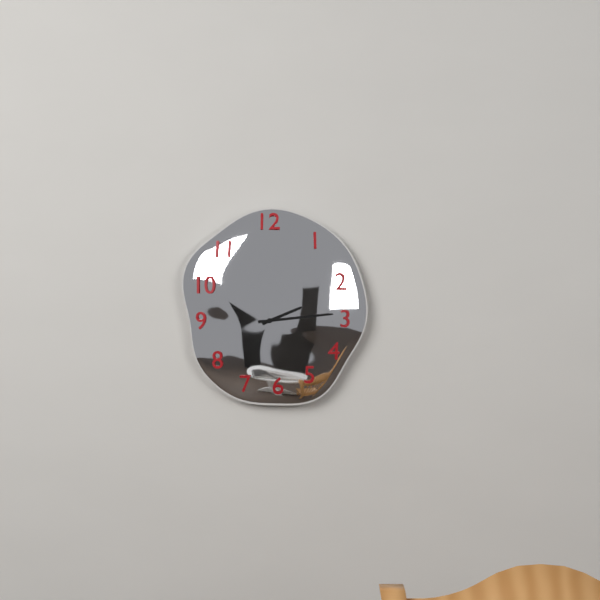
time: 2:14
